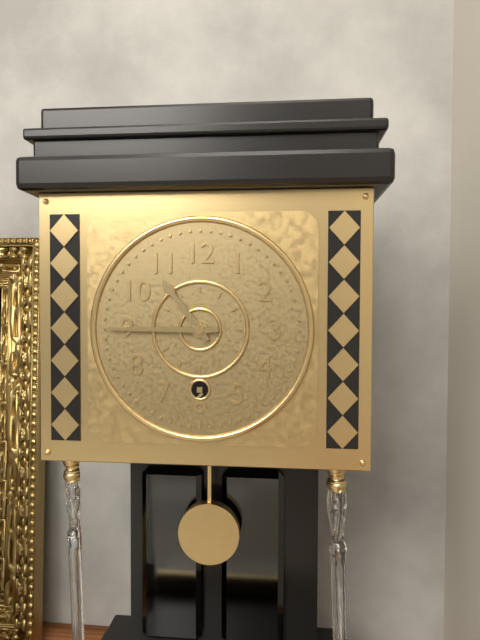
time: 10:45
